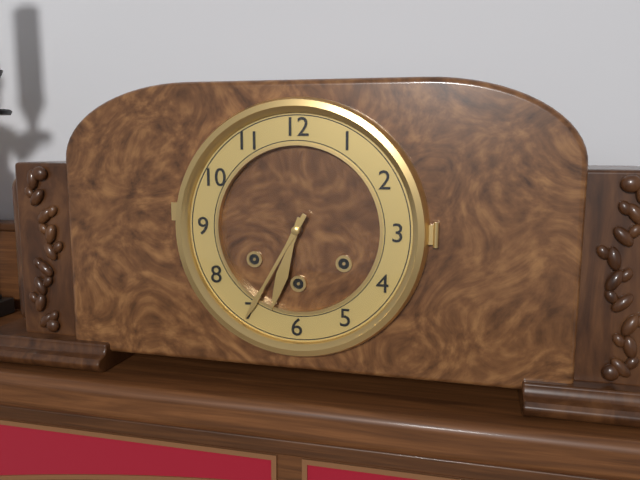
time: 6:35
